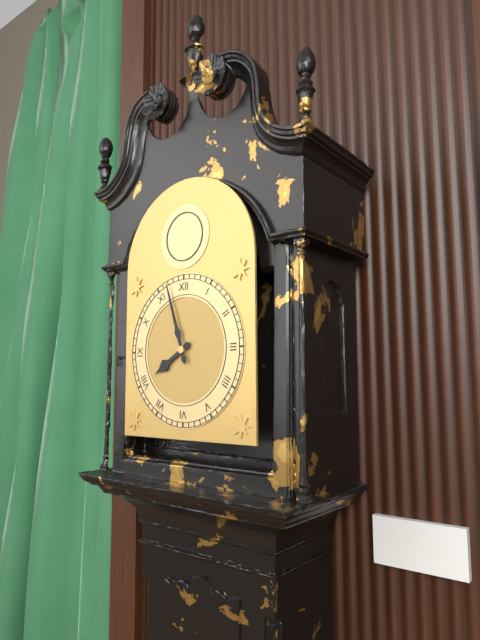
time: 7:57
